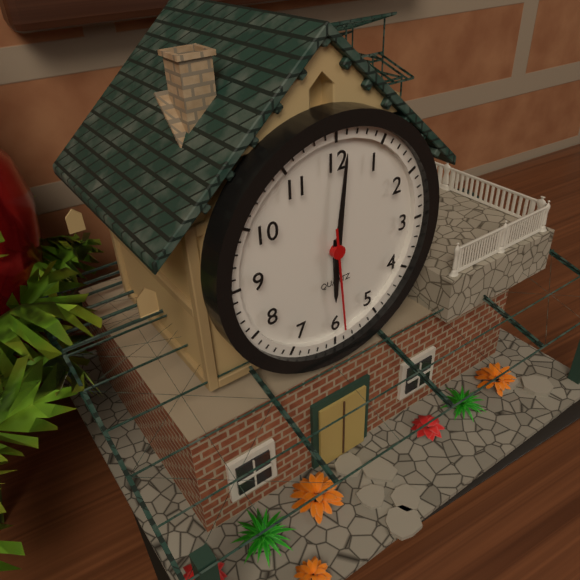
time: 6:01:29
